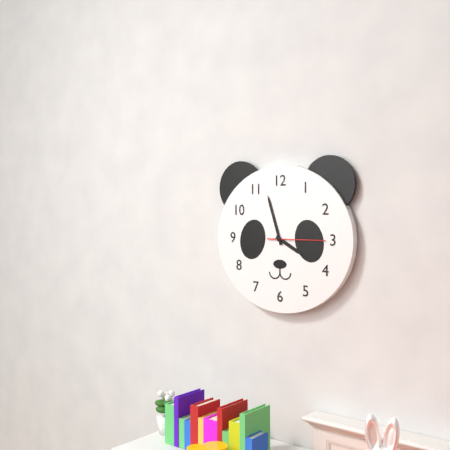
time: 3:57:15
